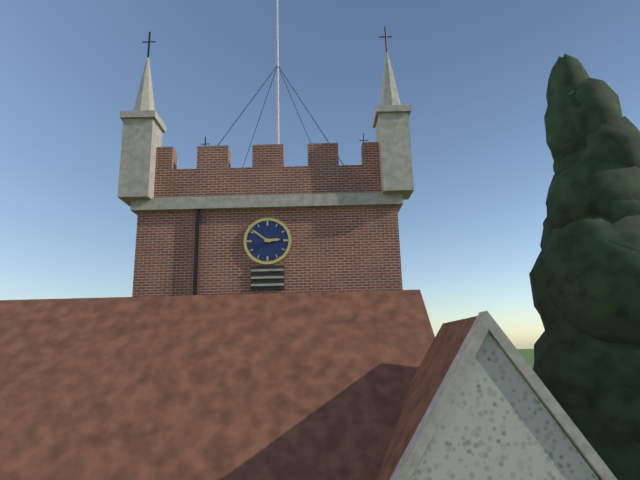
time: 2:51
